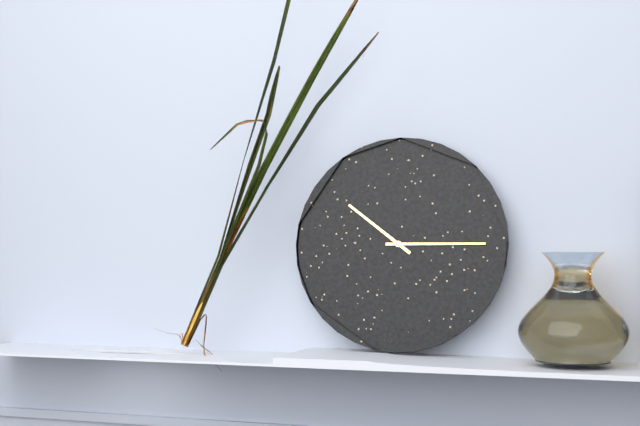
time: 10:15
